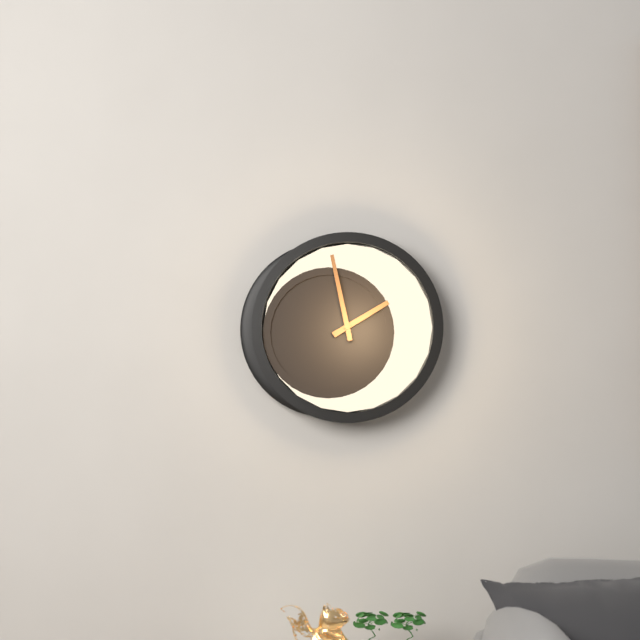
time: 1:58
